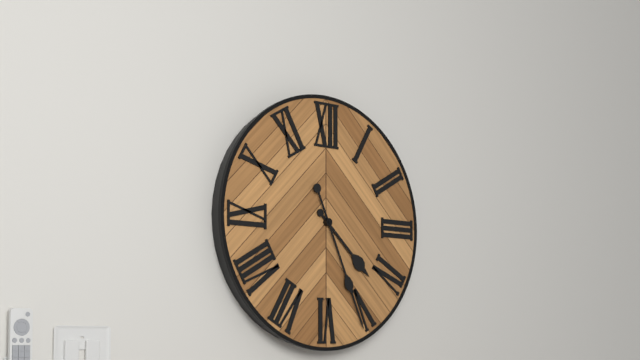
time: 4:26
